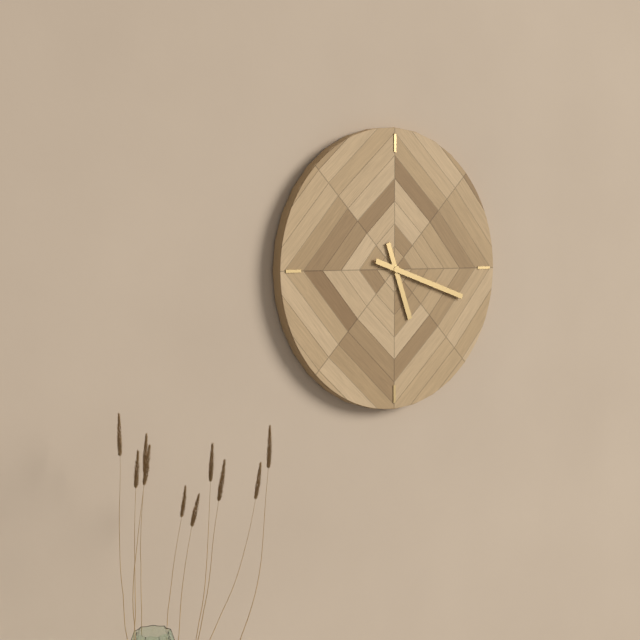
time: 5:18
